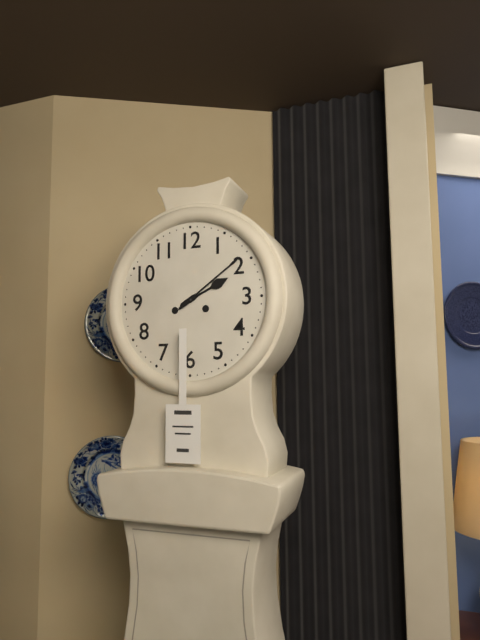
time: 2:09
